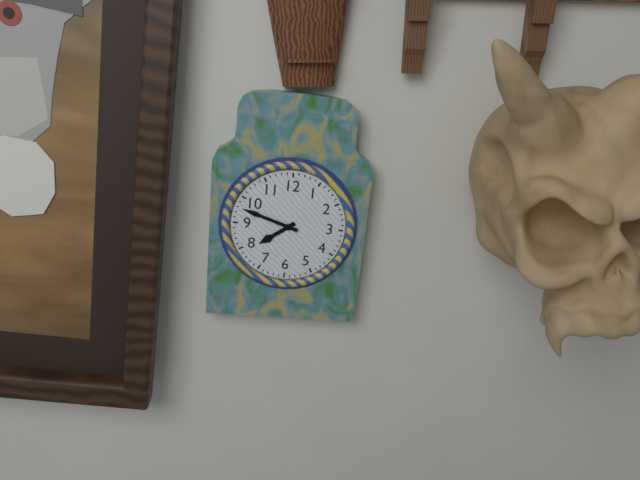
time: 7:48
